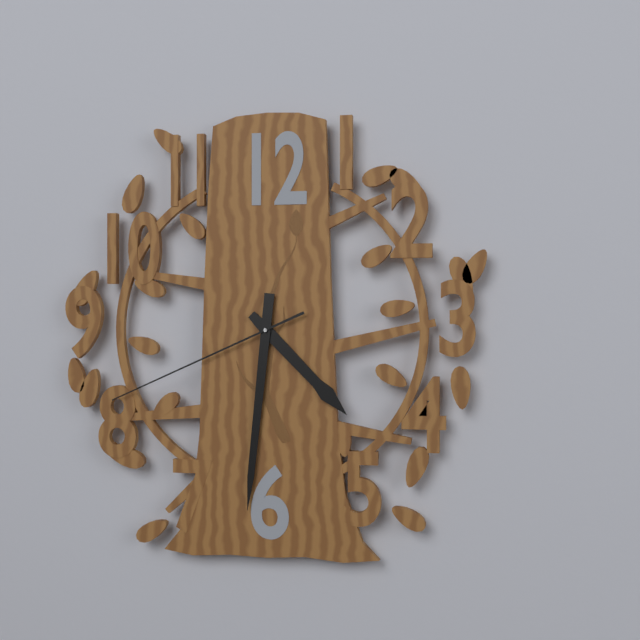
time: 4:31:41
